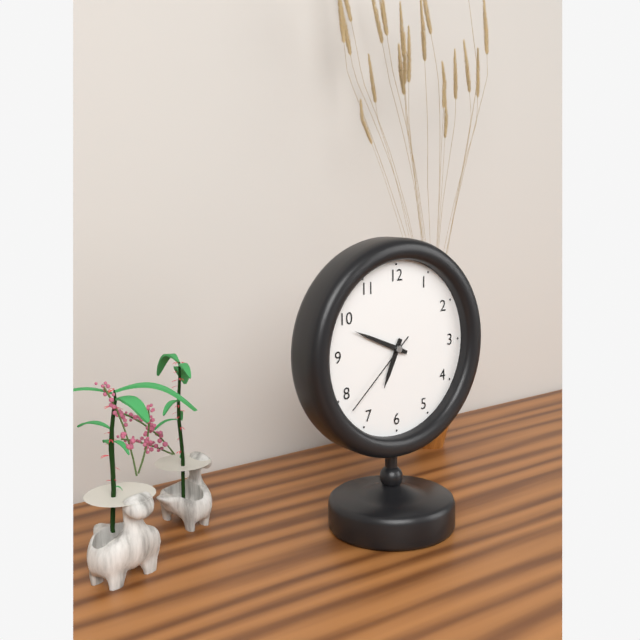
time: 6:49:38
